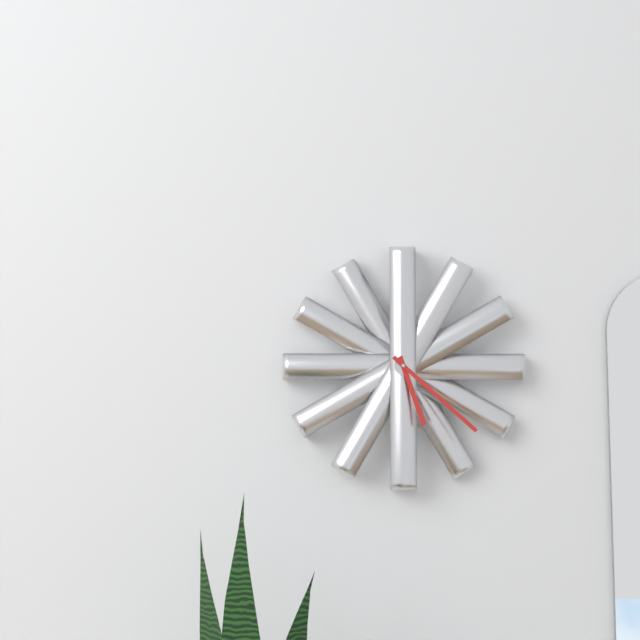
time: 5:22
